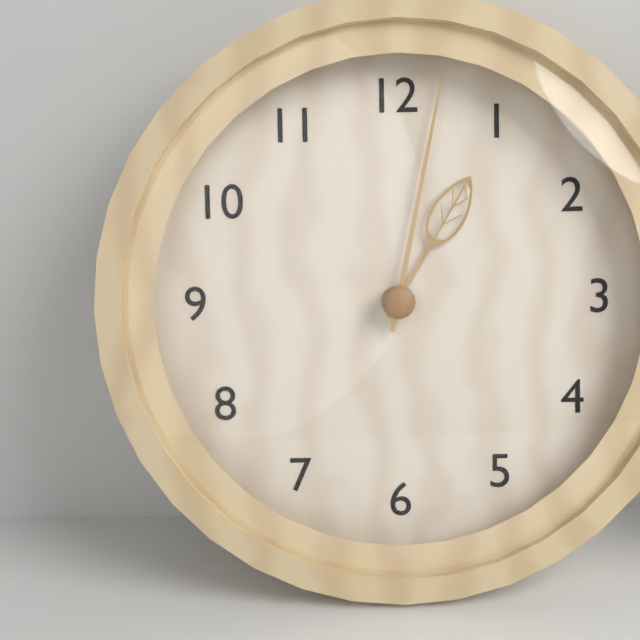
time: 1:02
